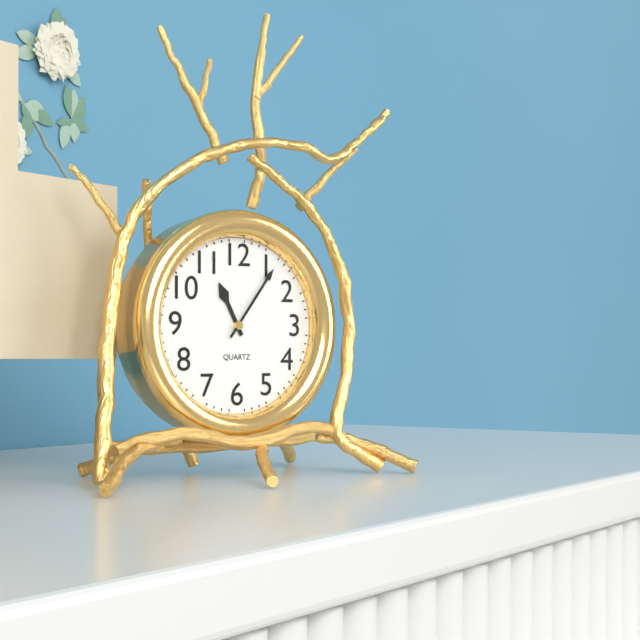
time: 11:06
